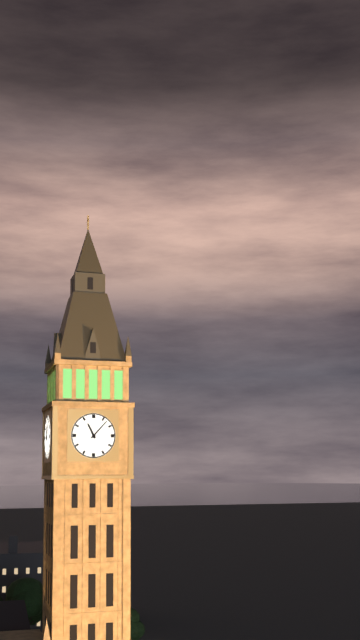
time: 11:07
